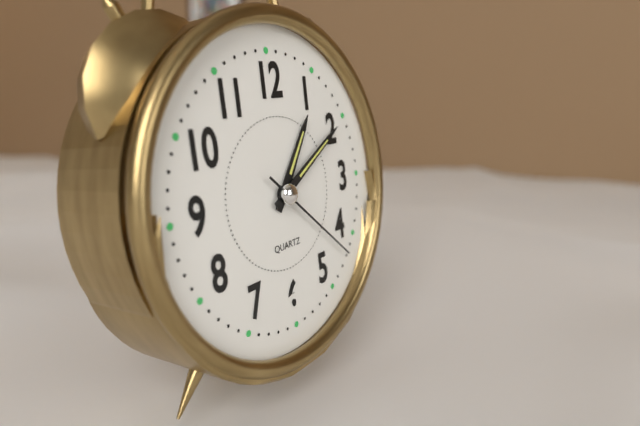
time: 1:10:22
